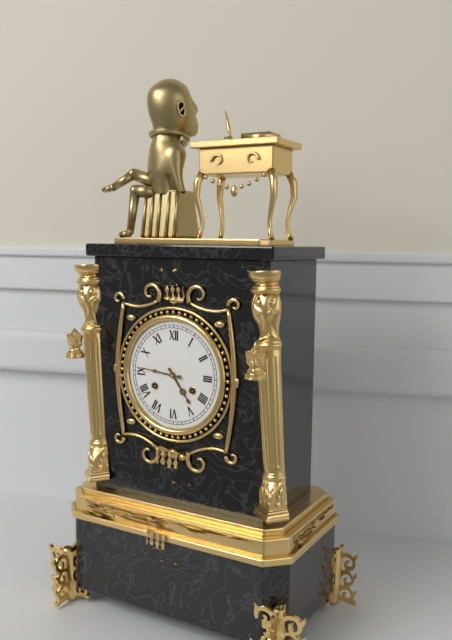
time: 4:46
